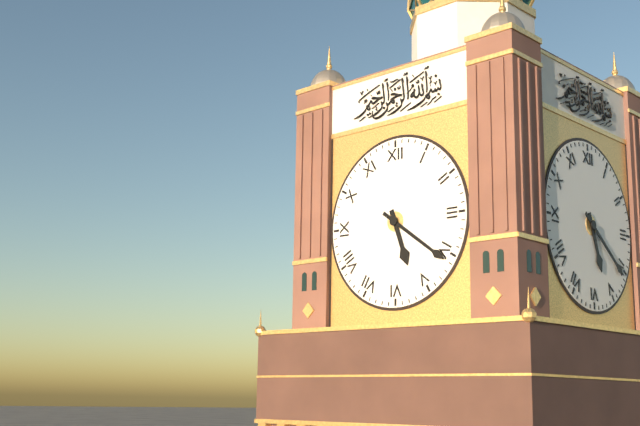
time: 5:21
